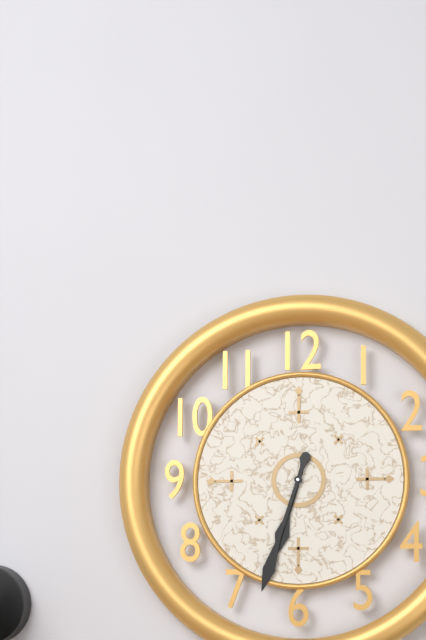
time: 6:33
